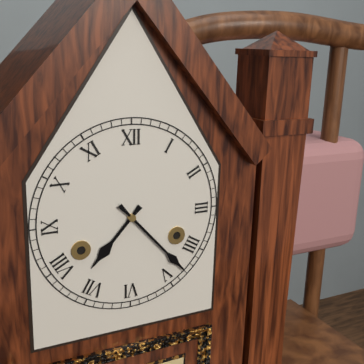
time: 7:23
